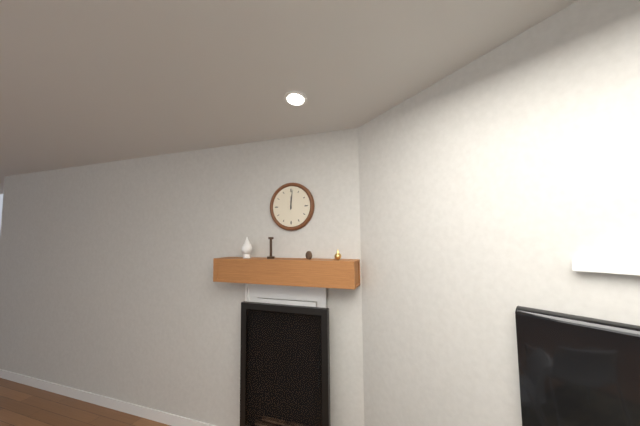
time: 12:01
